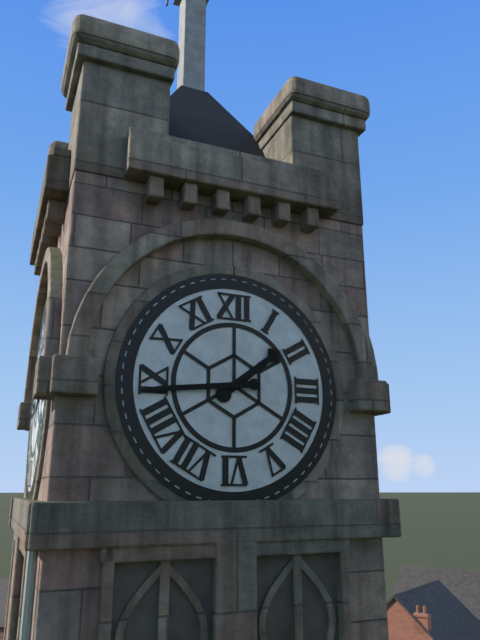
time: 1:44
